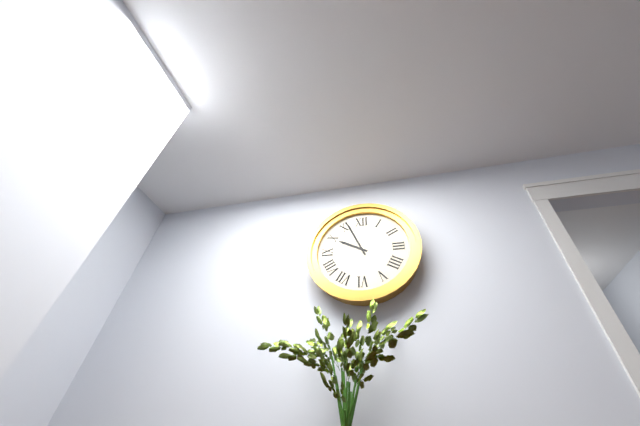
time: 9:56
